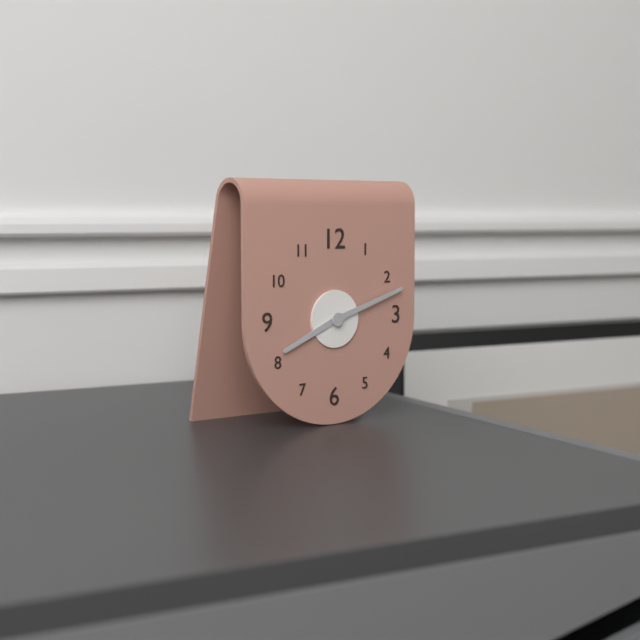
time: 8:12
